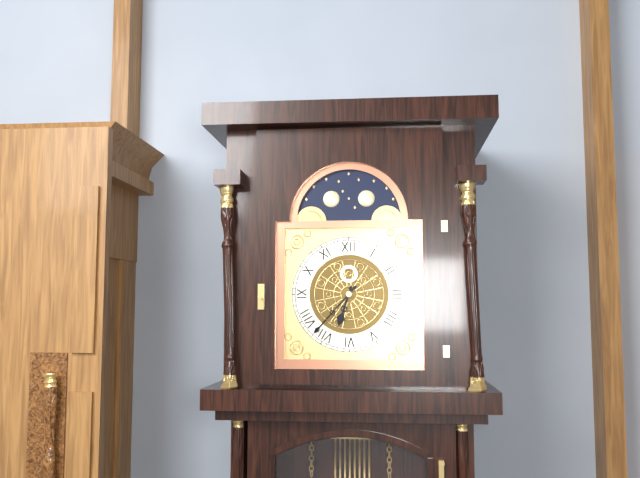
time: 6:37
